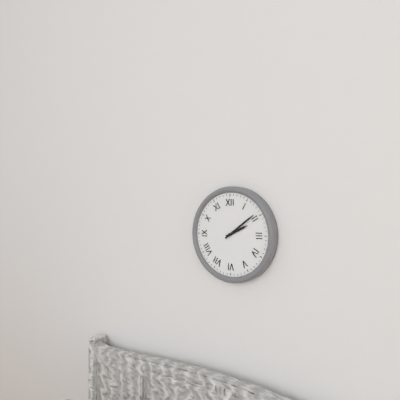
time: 2:09
